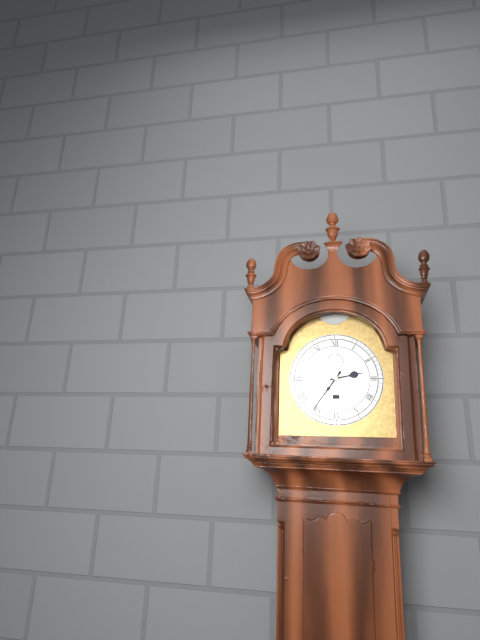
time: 2:36
